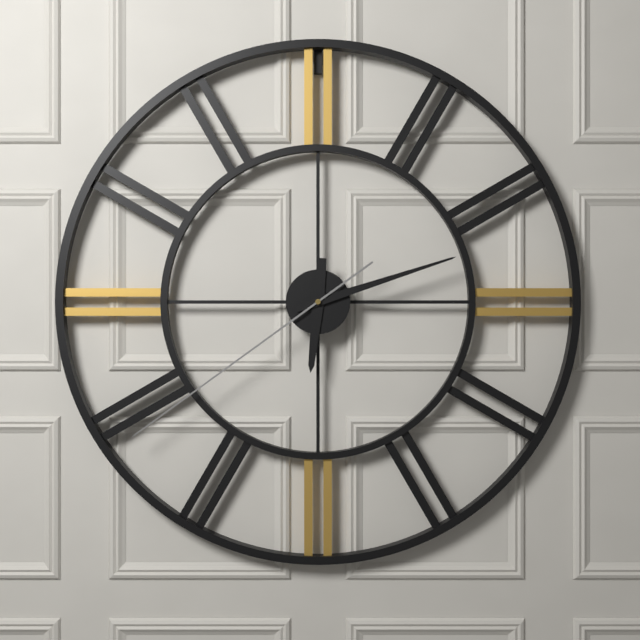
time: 6:12:39
